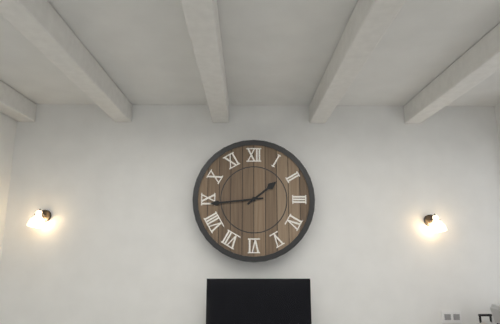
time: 1:44
